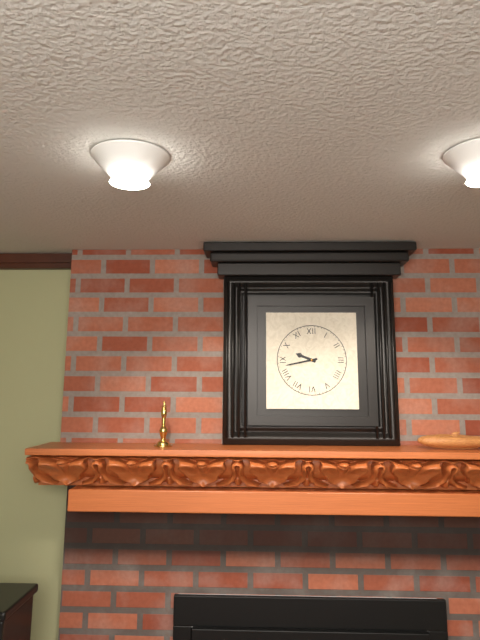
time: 9:43
